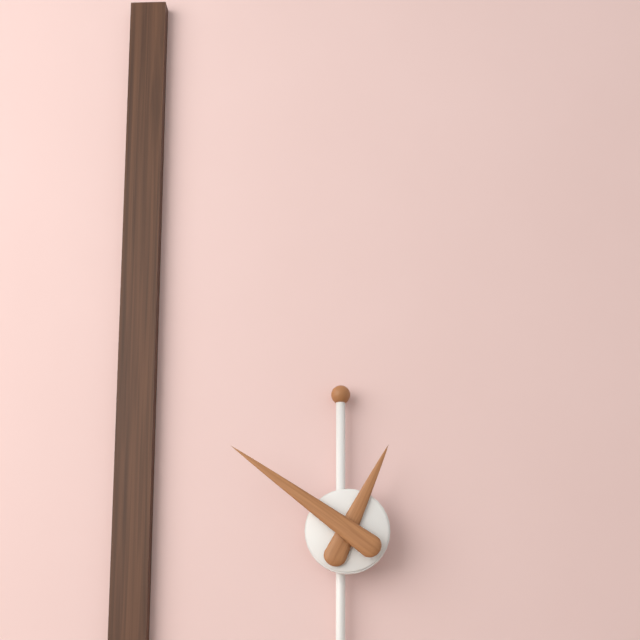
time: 12:51
